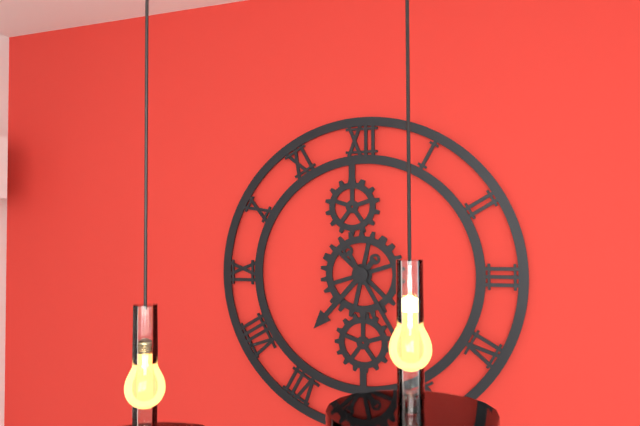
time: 7:25
